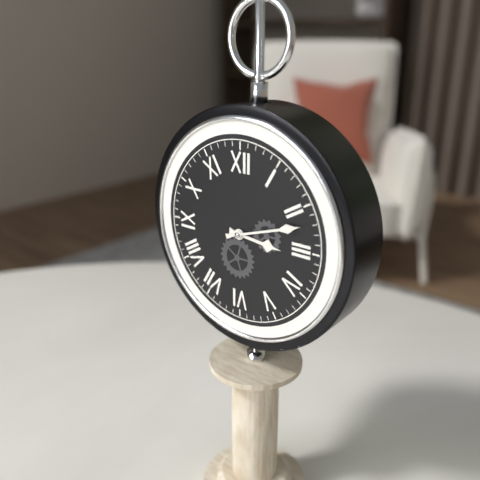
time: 3:12
